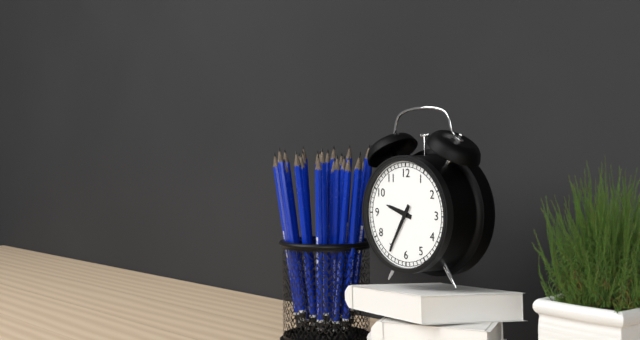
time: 9:35
